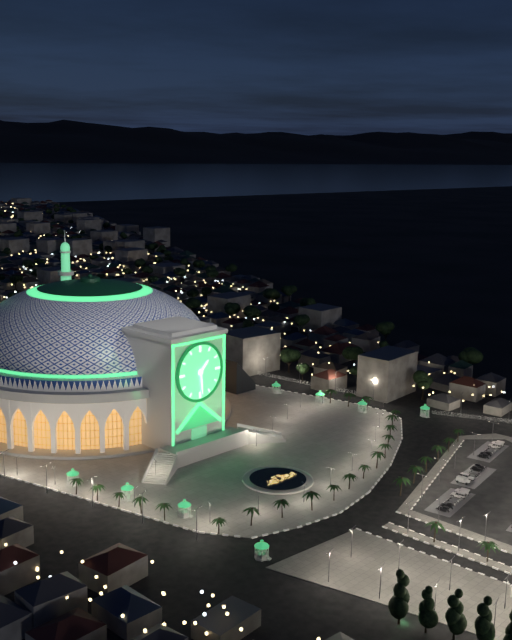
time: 1:29
